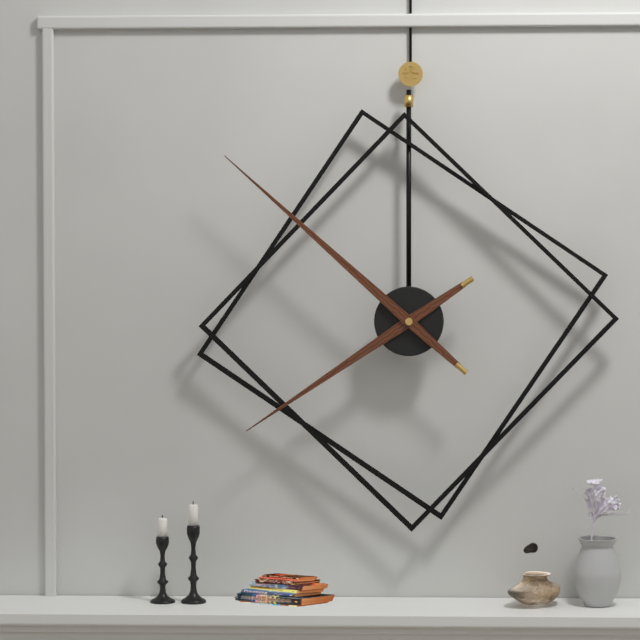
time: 7:52
